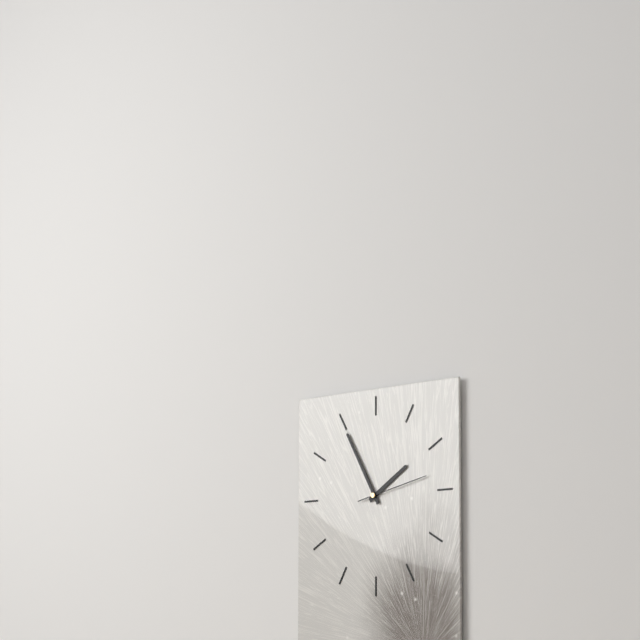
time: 1:55:13
